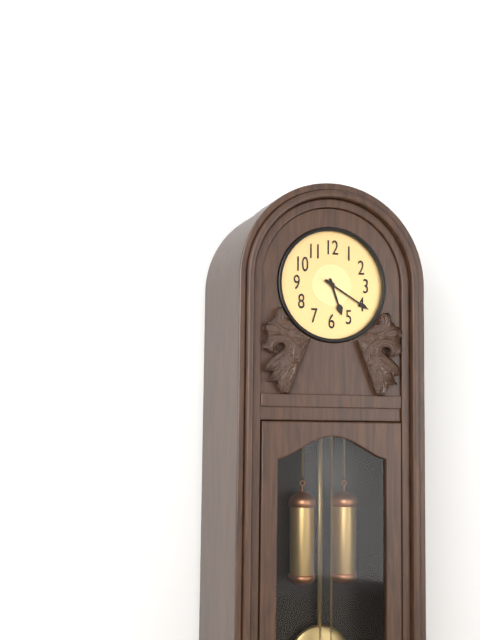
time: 5:20
